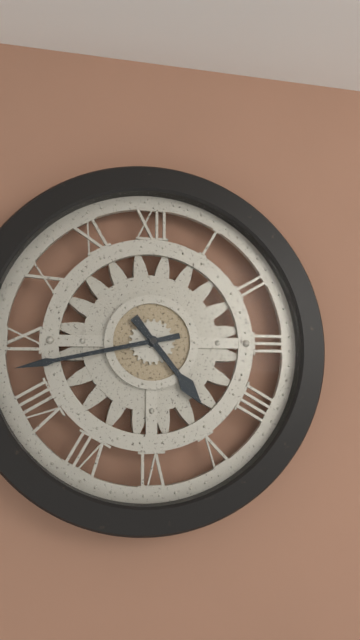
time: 4:43
